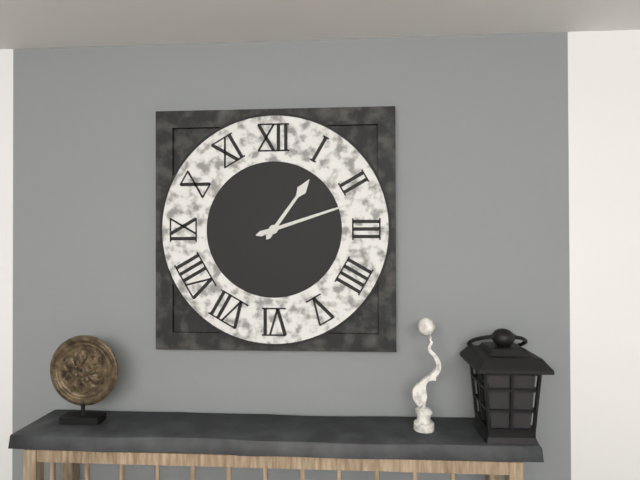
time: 1:12
